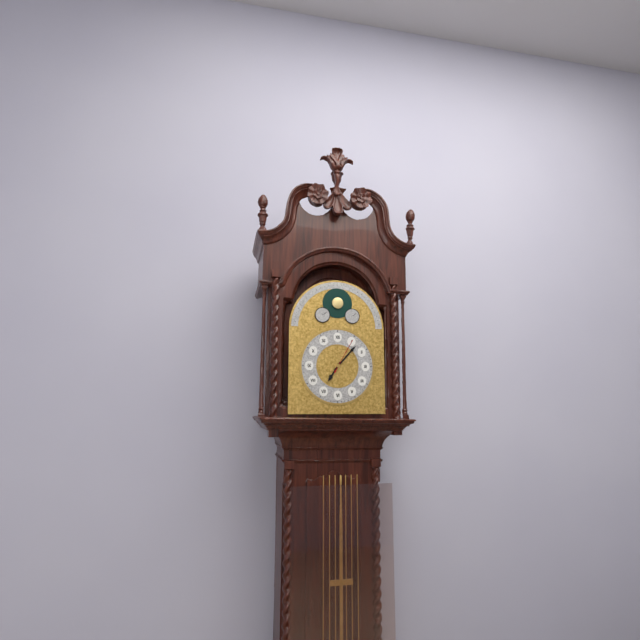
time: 7:07
